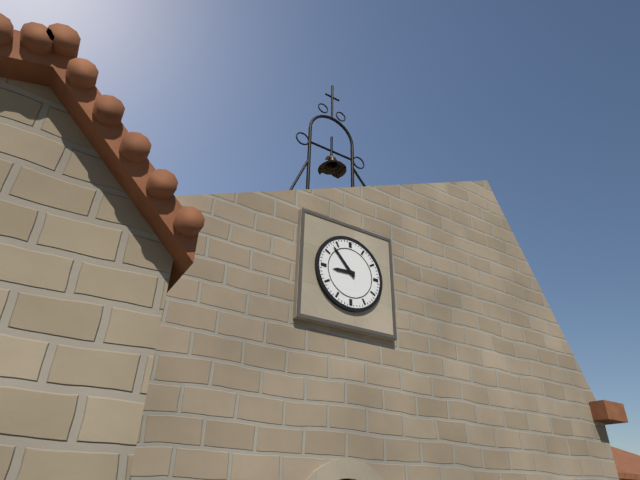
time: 8:53
